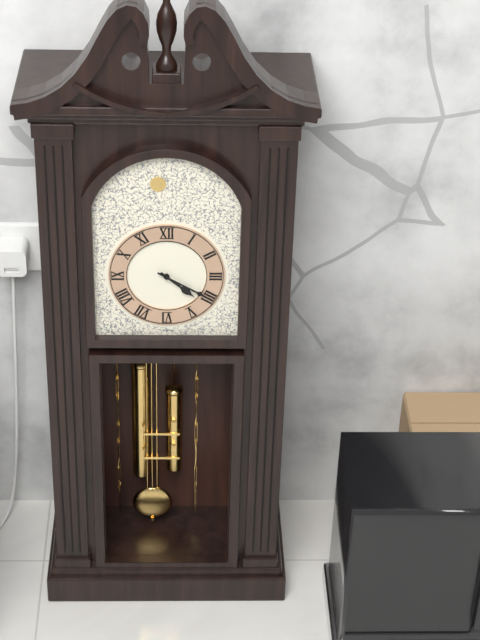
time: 4:20
